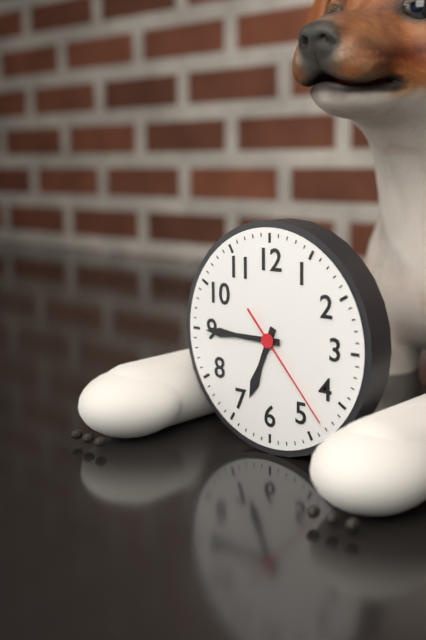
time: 6:45:23
